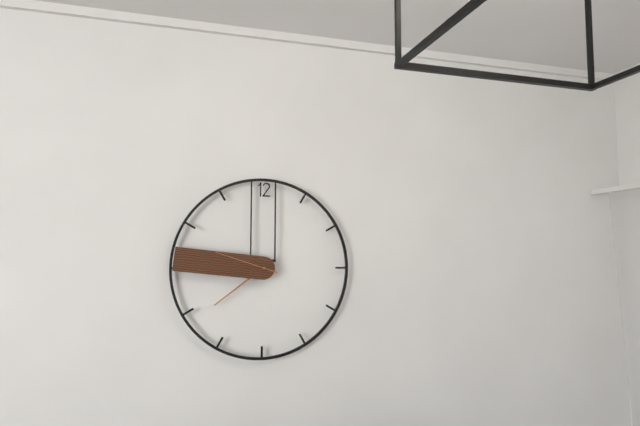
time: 7:46:48
